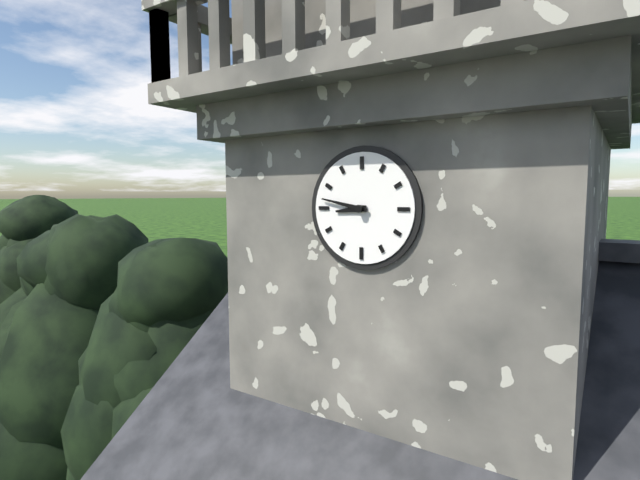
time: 8:47
